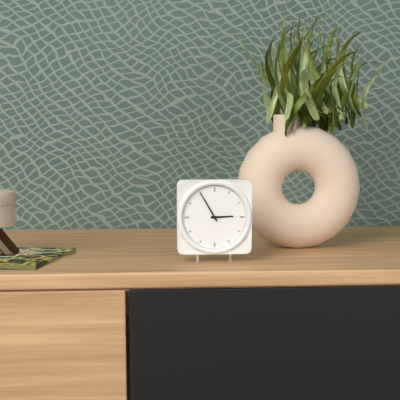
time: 2:55
